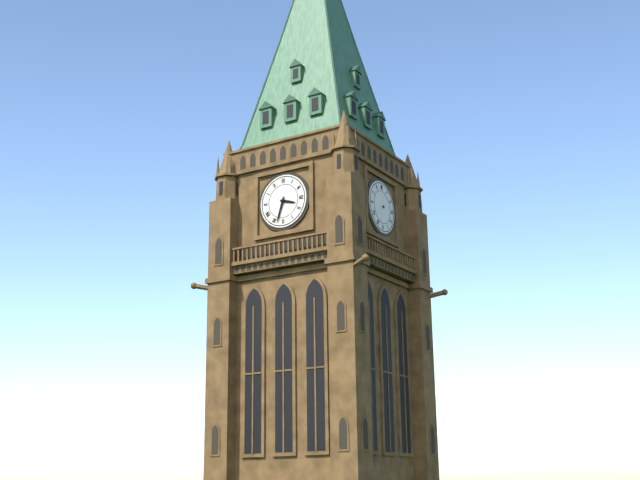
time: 3:33
